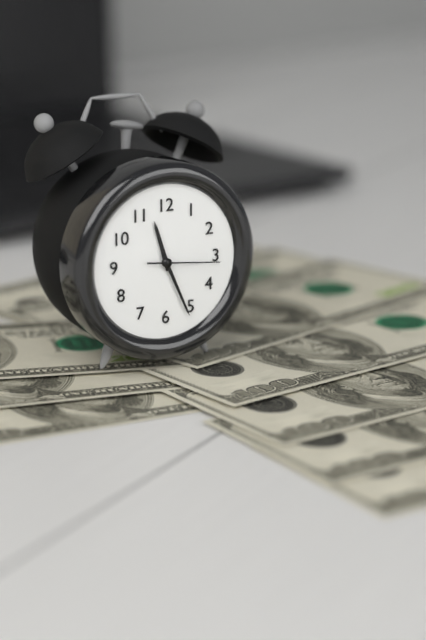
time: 11:26:16
